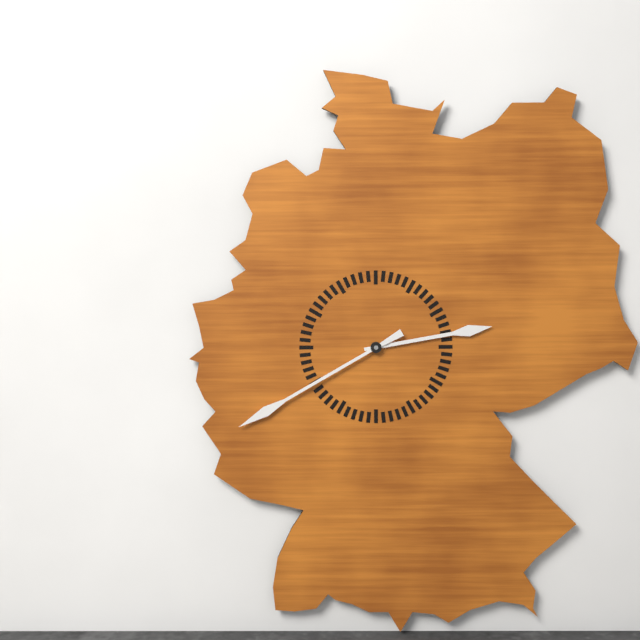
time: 2:40
